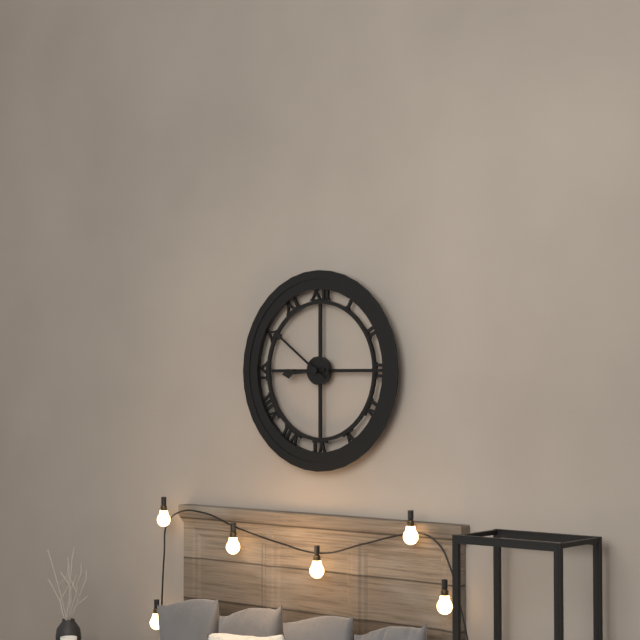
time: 8:51
